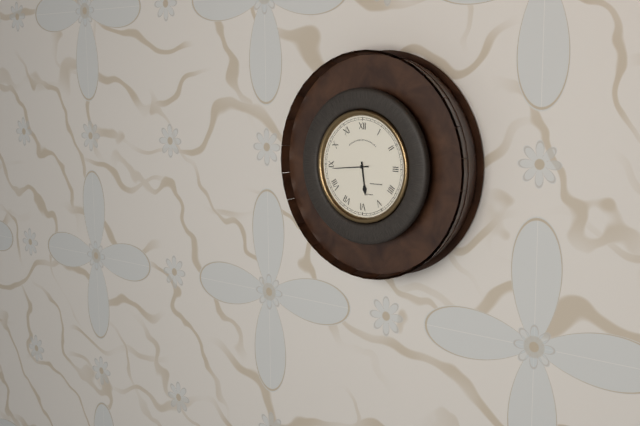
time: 5:44
